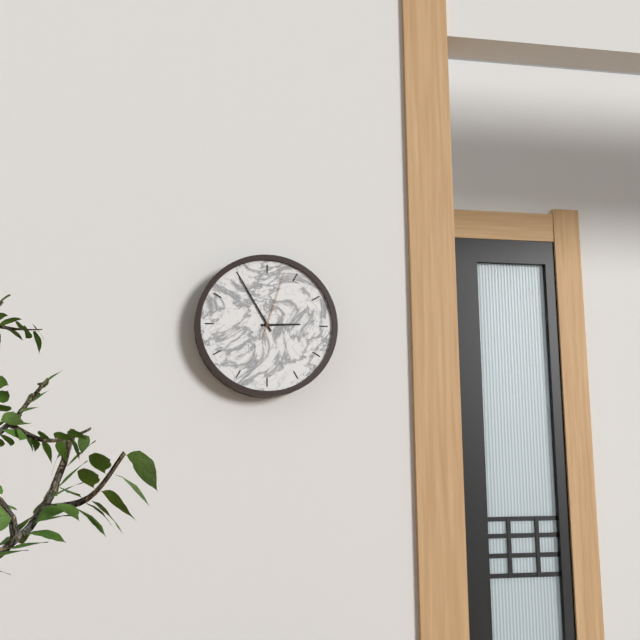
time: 2:55:03
